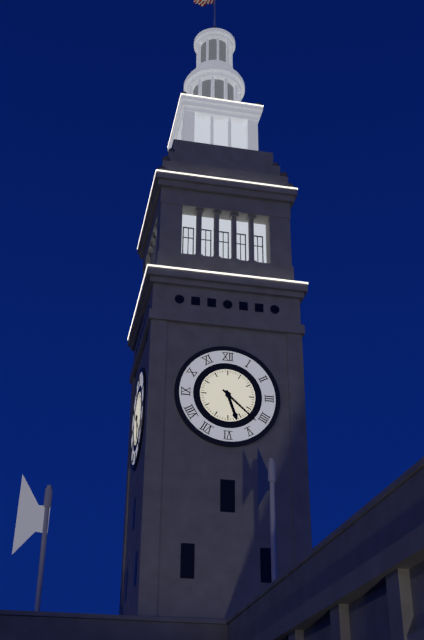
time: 5:22
